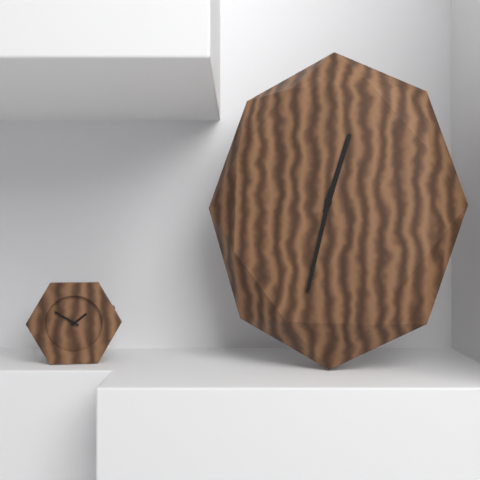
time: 12:32
